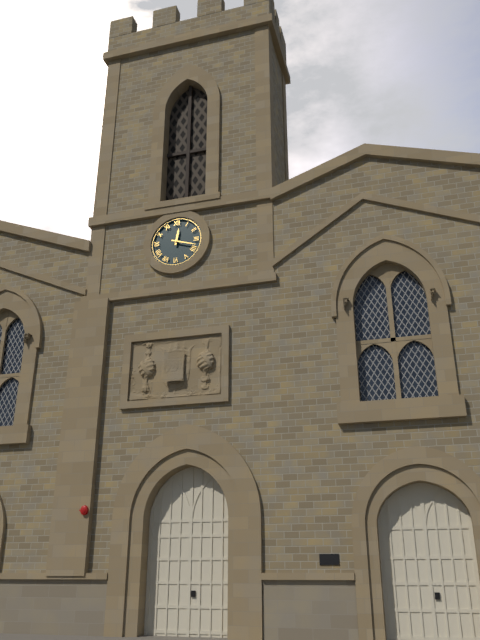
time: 12:18
